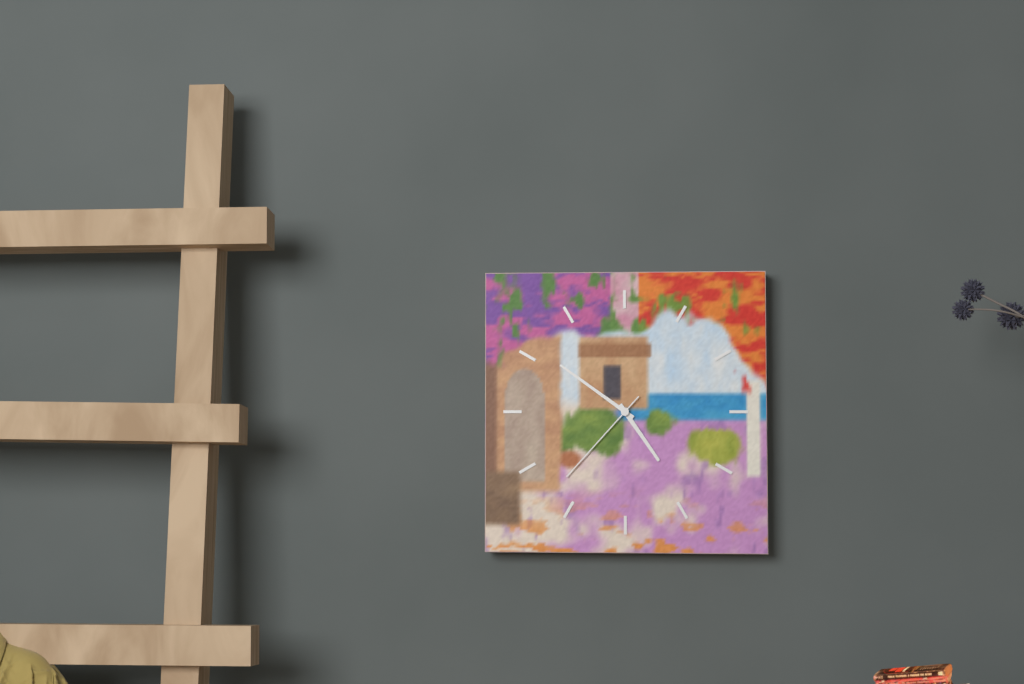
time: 4:51:37
